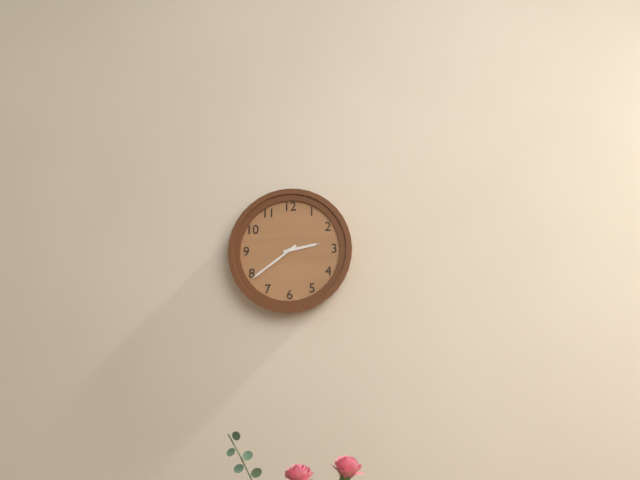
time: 2:39
